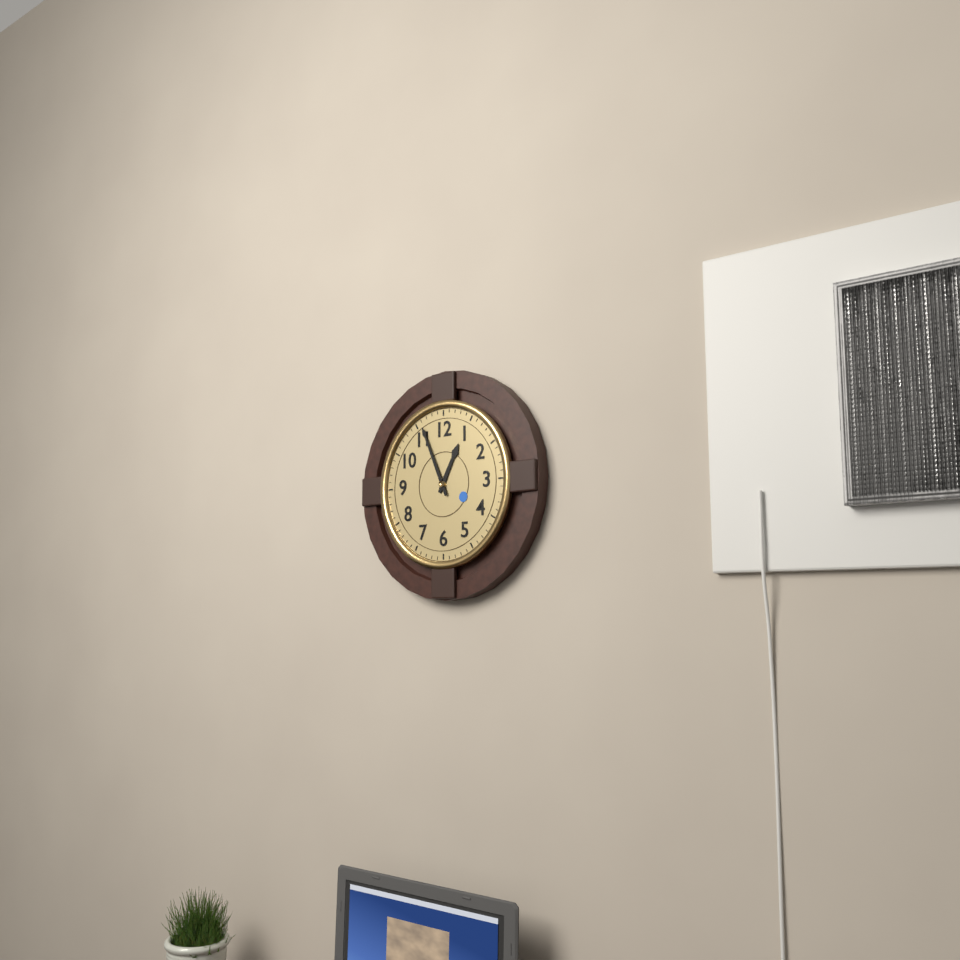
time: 12:56
